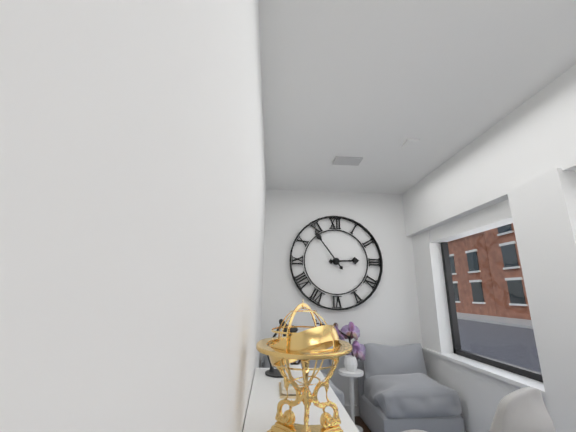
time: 2:54
